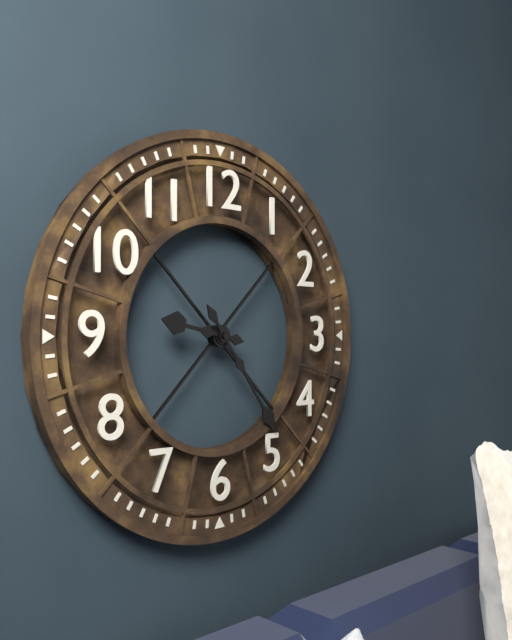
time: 9:24
